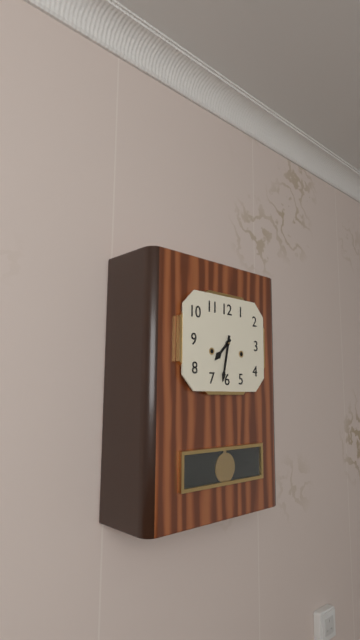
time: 7:32
